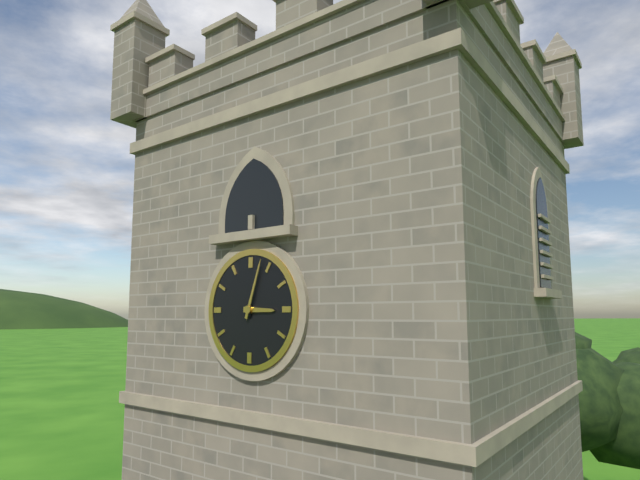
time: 3:03
